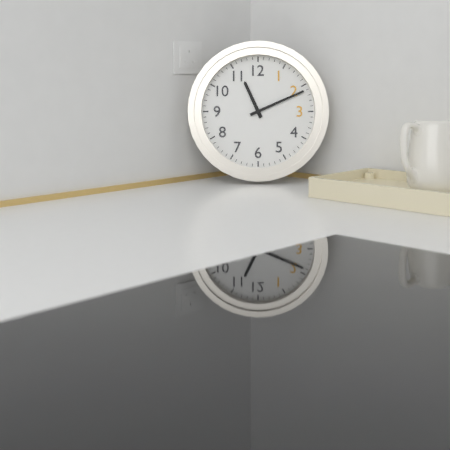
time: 11:11
